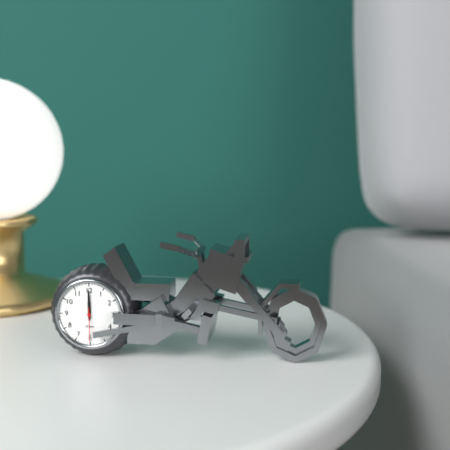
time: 12:00
